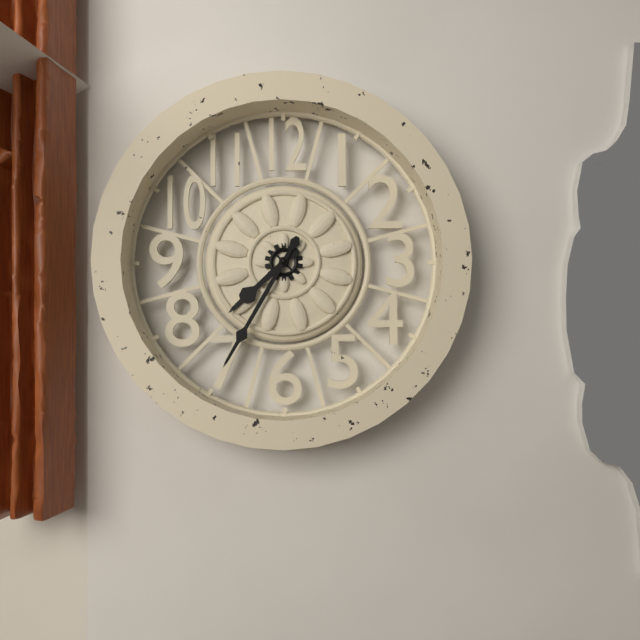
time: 7:35
